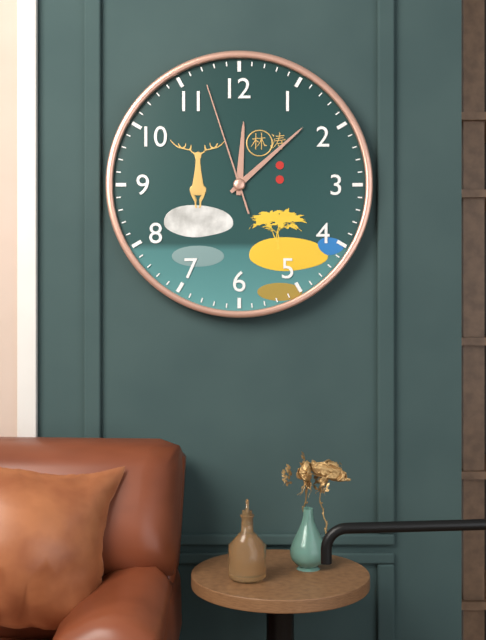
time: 12:08:57
